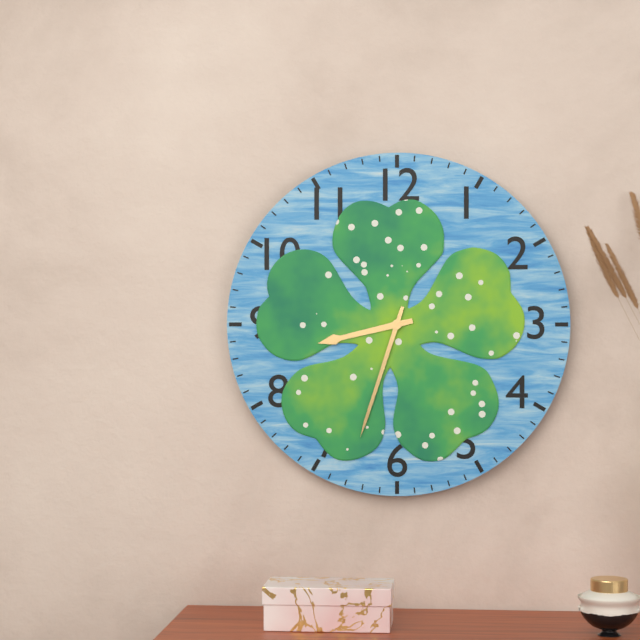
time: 8:33
